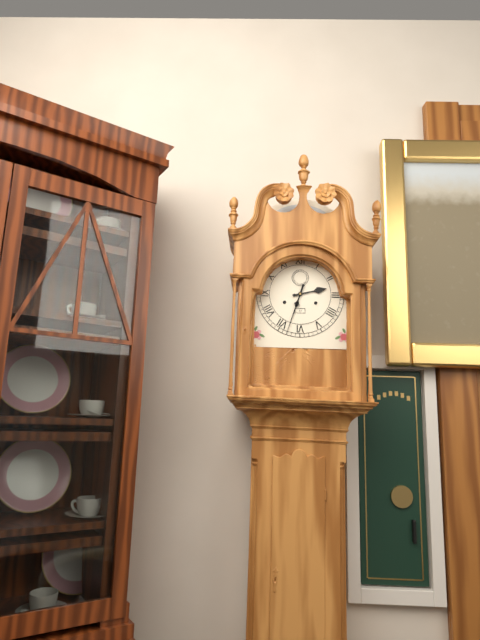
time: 2:33
